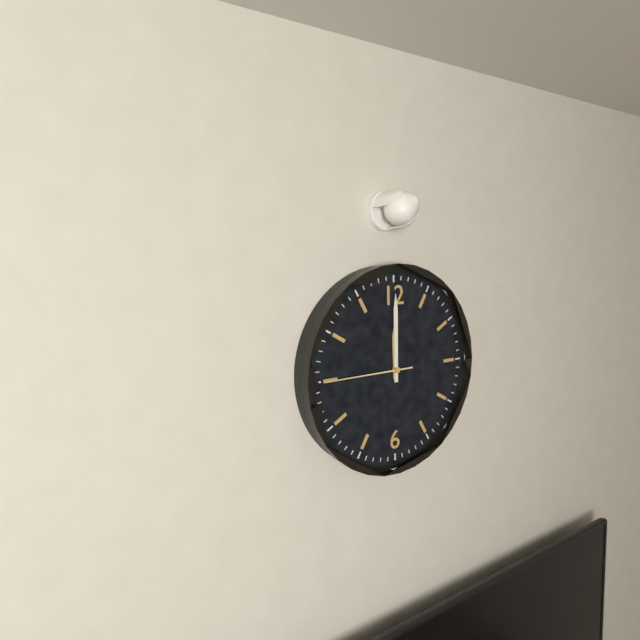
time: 12:00:45
